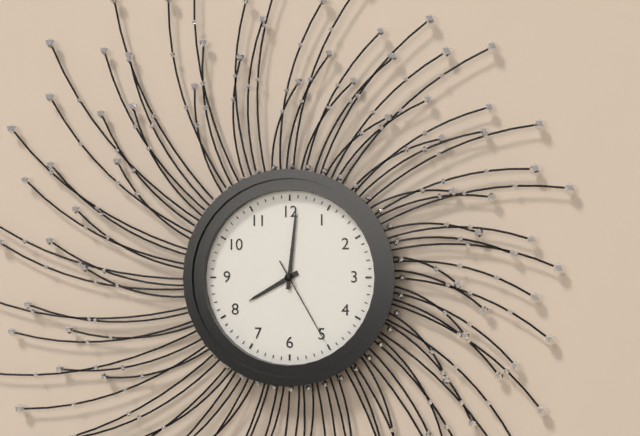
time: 8:01:25
